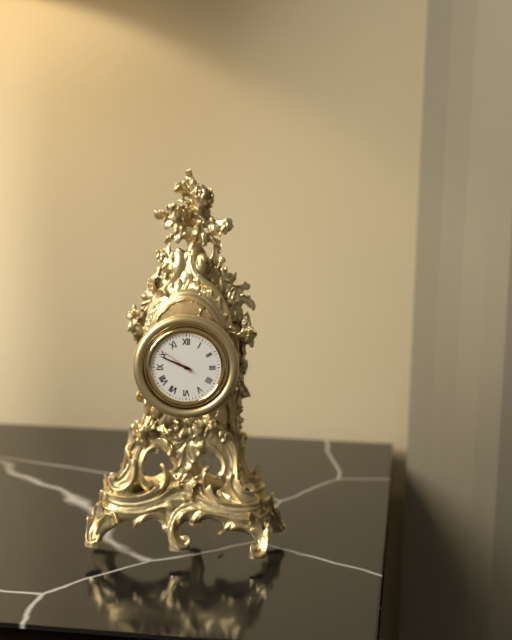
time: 9:49
